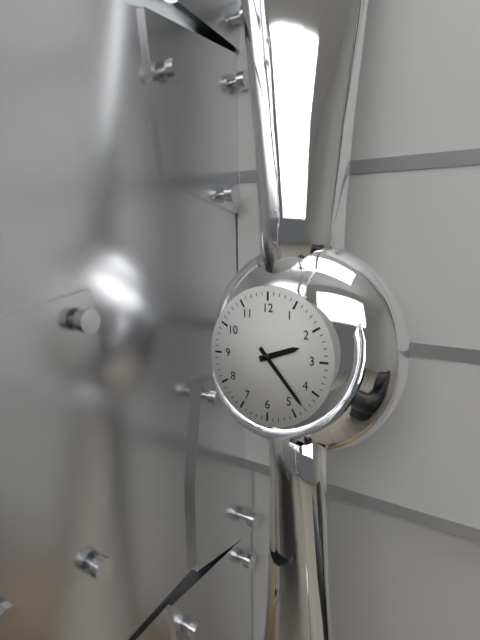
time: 2:23
